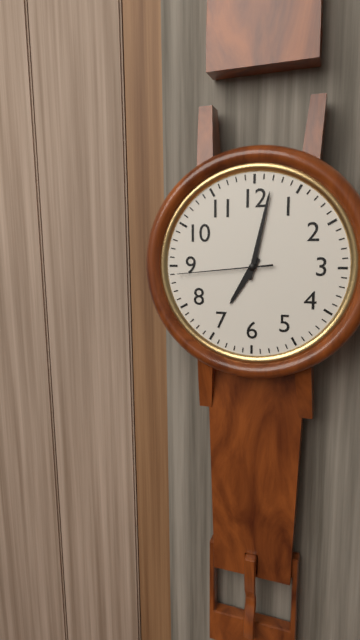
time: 7:02:44
